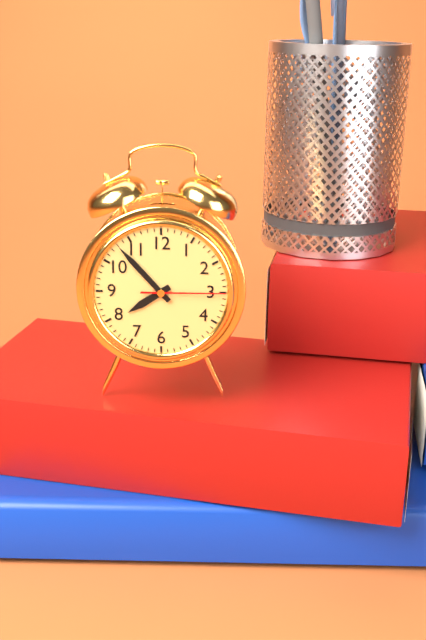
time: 7:53:15
